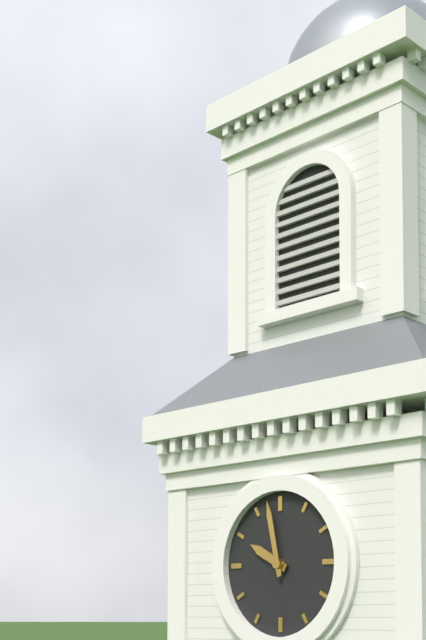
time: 9:58
